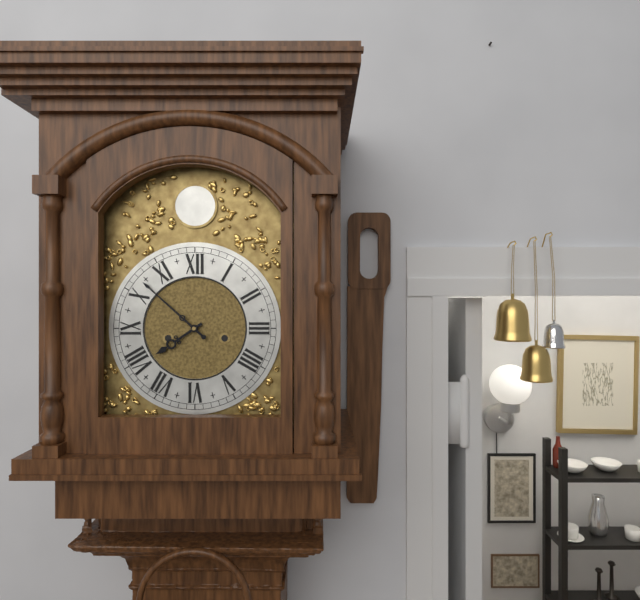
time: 7:52
